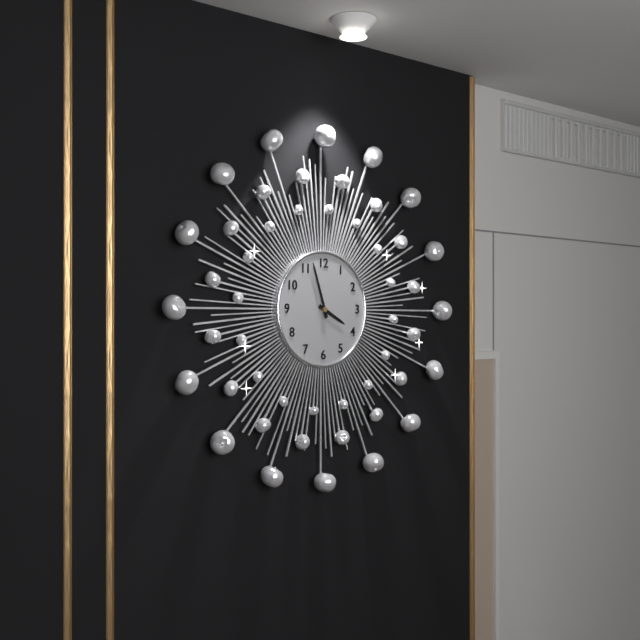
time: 3:57
